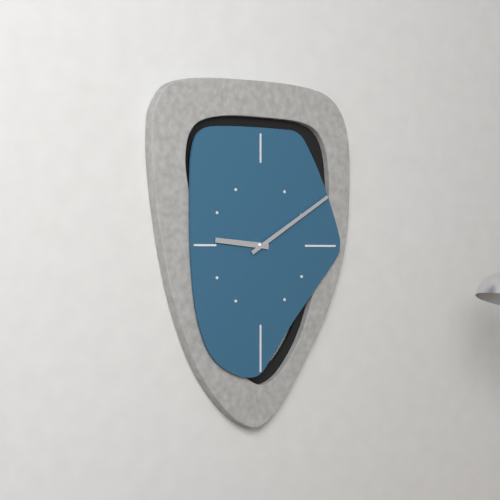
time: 9:10
